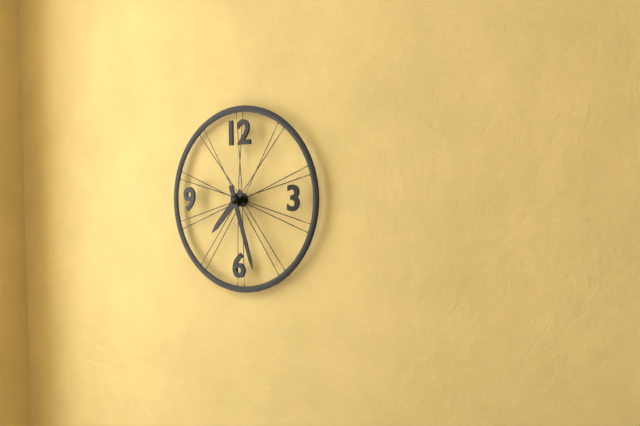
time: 7:27
